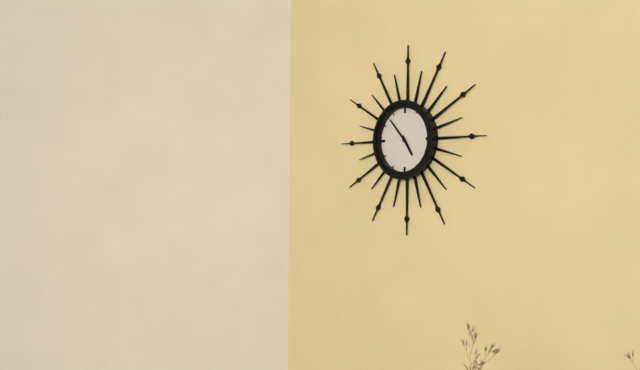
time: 4:53
